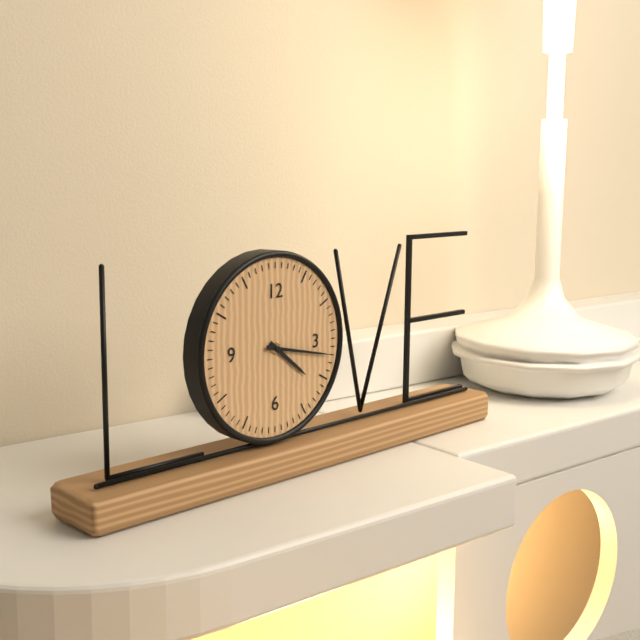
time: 4:17
